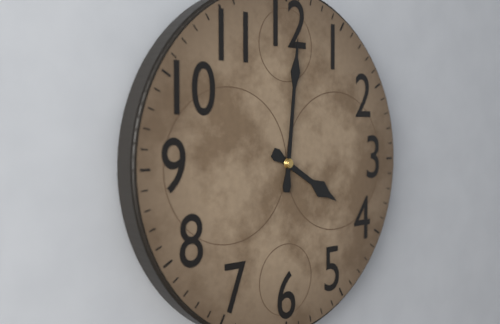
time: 4:01
